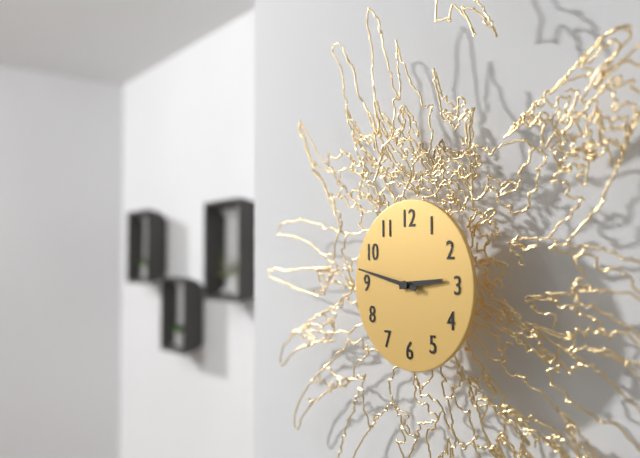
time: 2:47
